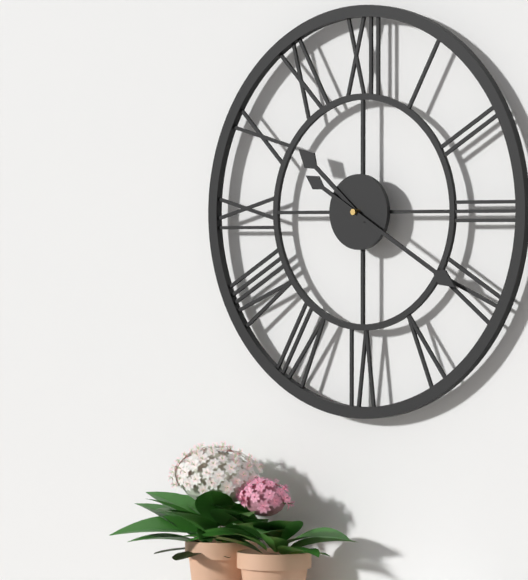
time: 10:20
